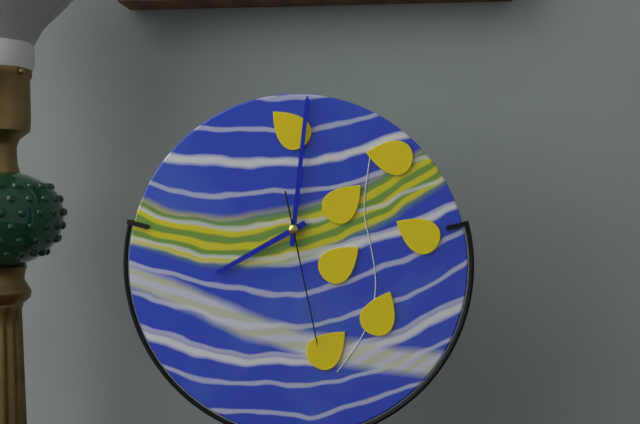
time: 8:01:28
